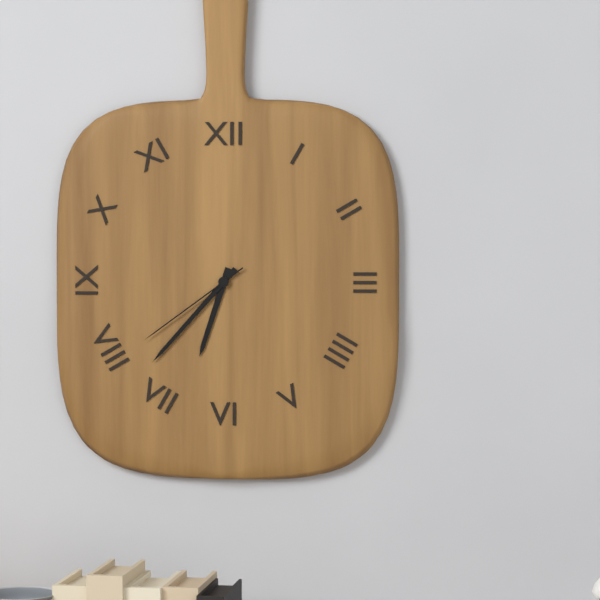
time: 6:37:39
